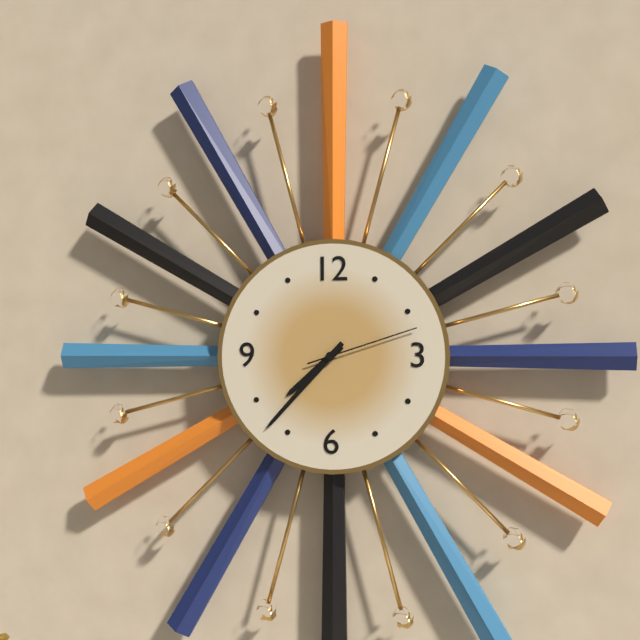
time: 7:37:12
